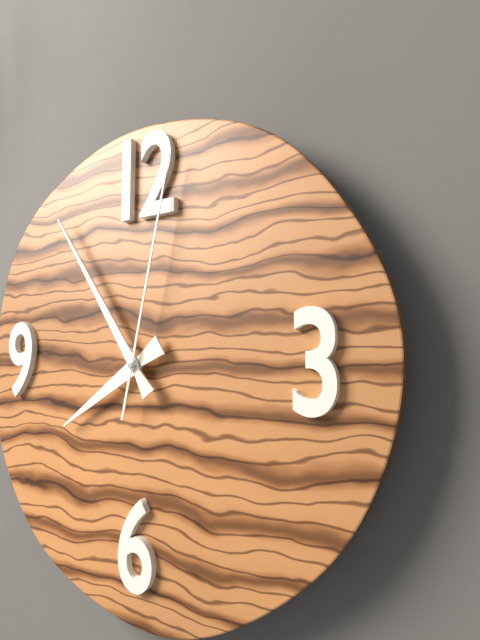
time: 7:54:02
